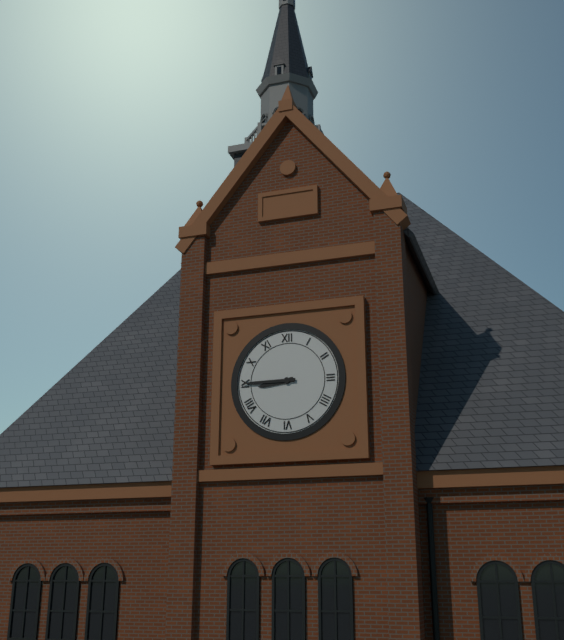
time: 8:45
